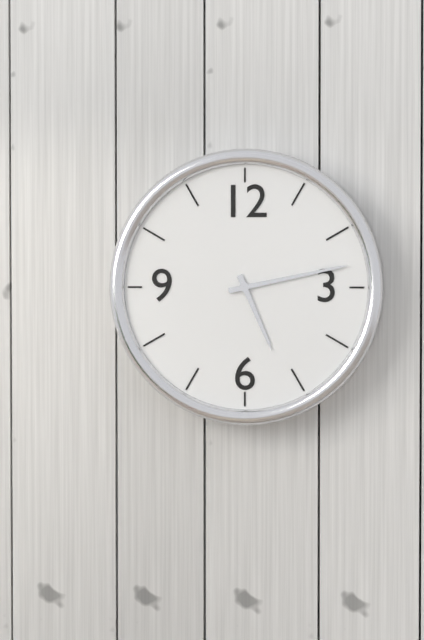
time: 5:13
